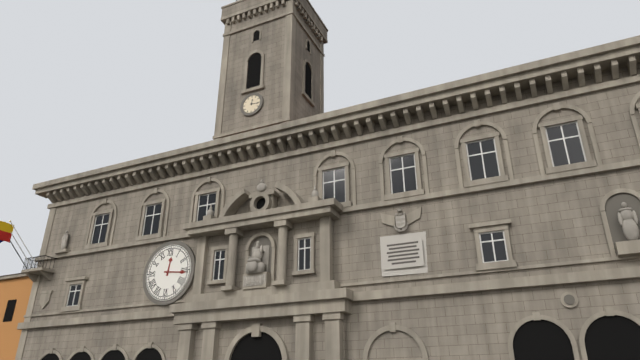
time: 12:16
